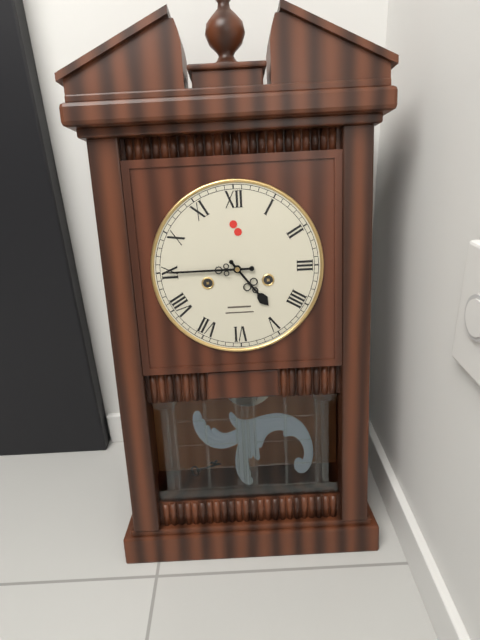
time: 4:45
